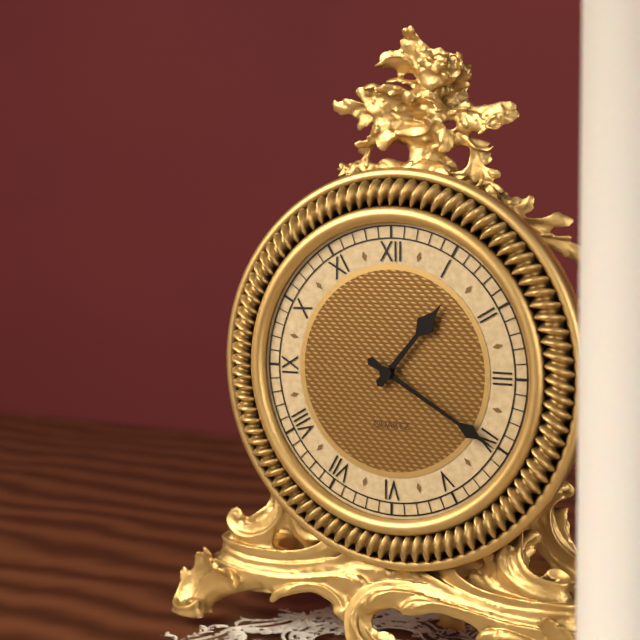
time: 1:20
